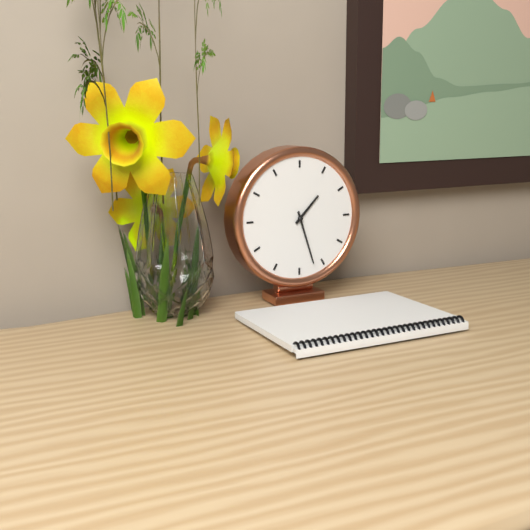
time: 1:27
